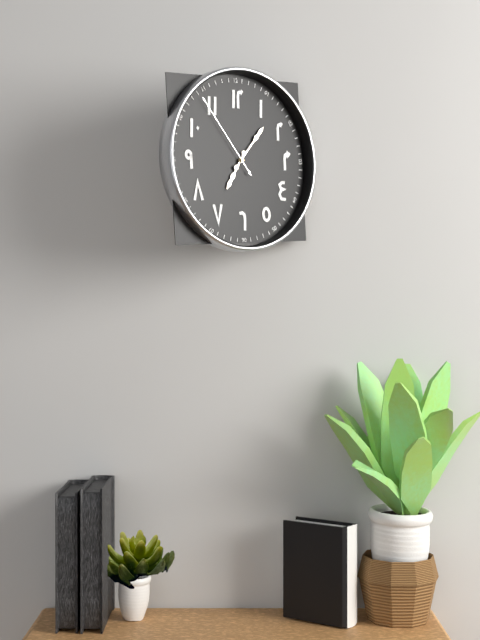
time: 7:07:54
